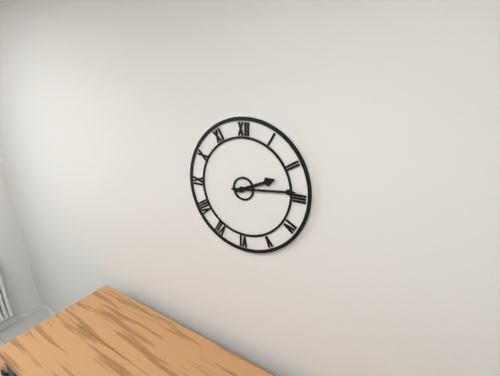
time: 2:14
